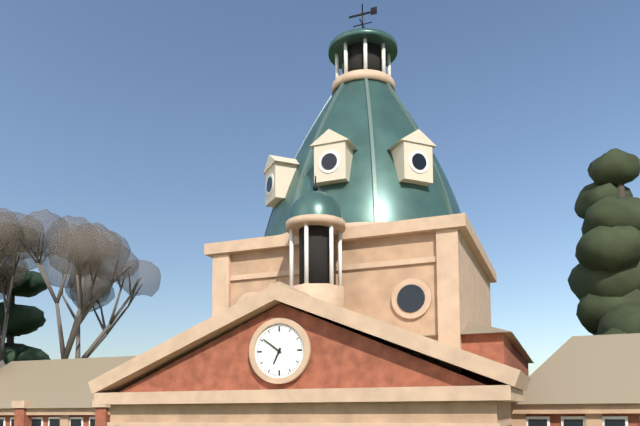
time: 6:51
